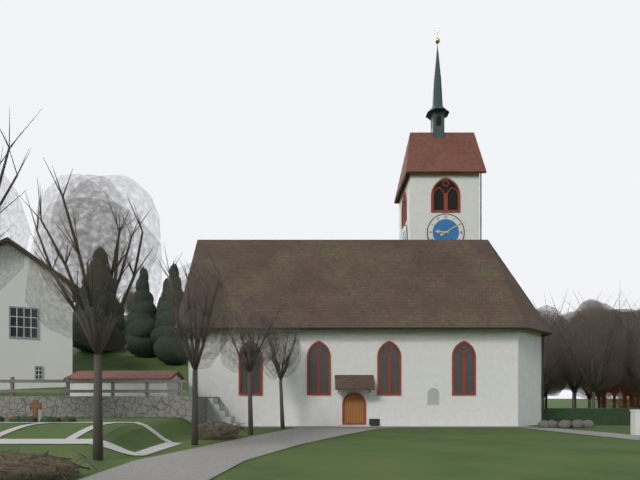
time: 9:10
